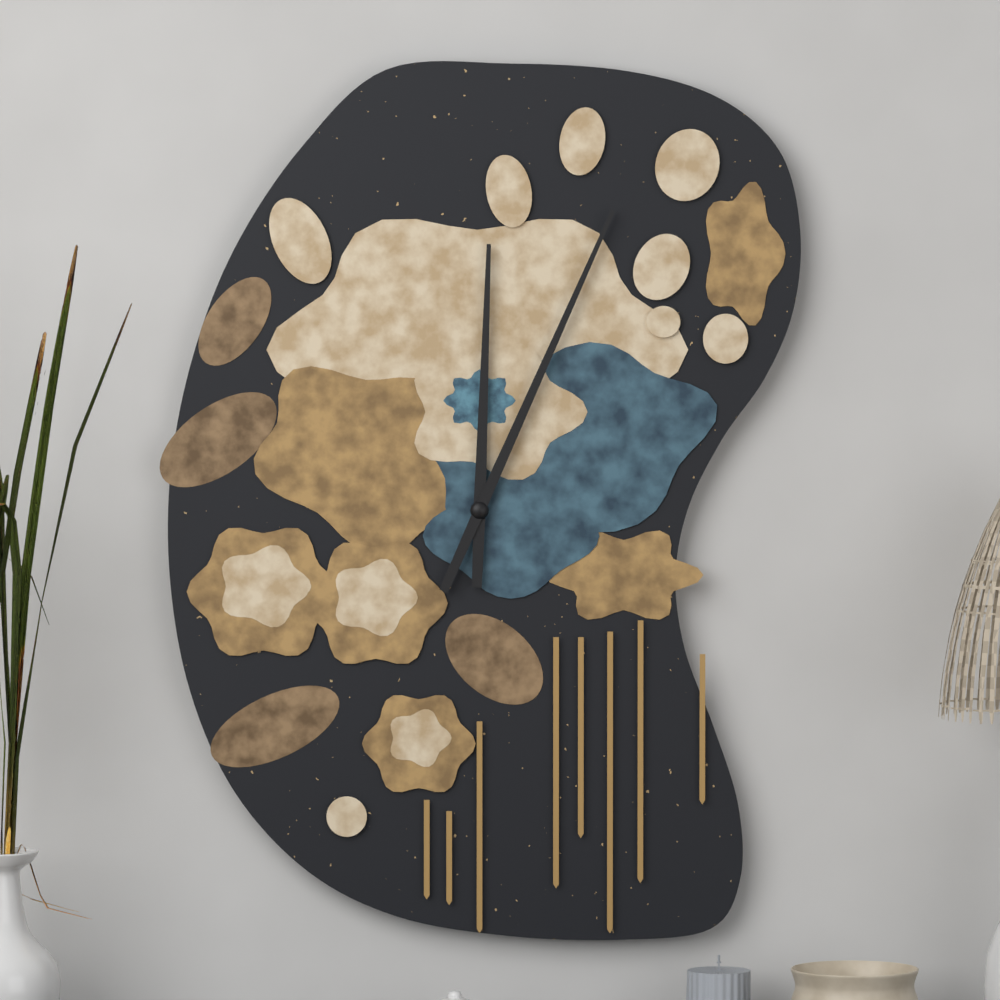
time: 12:04
